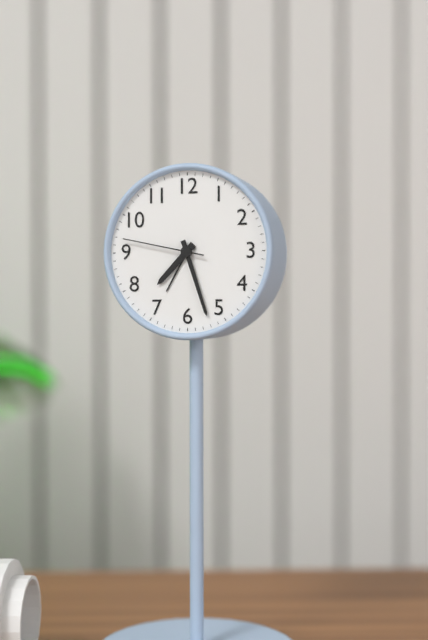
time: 7:27:47
